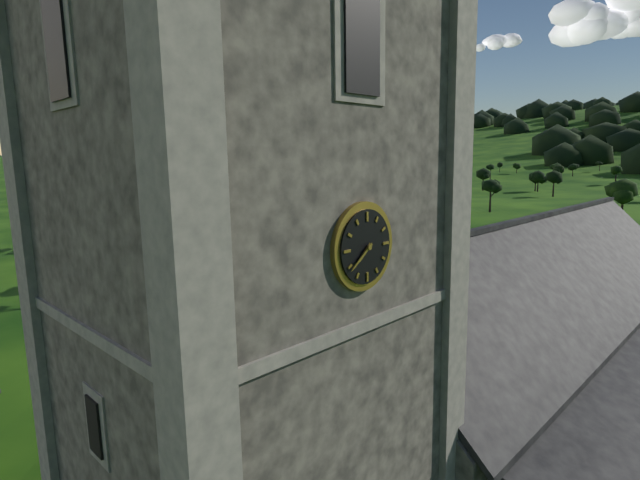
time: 7:39
